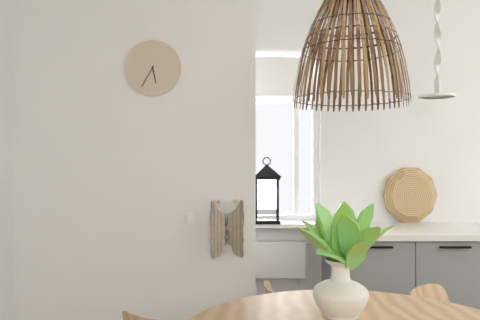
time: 5:35
